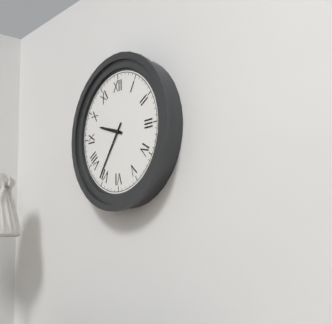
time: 9:36
